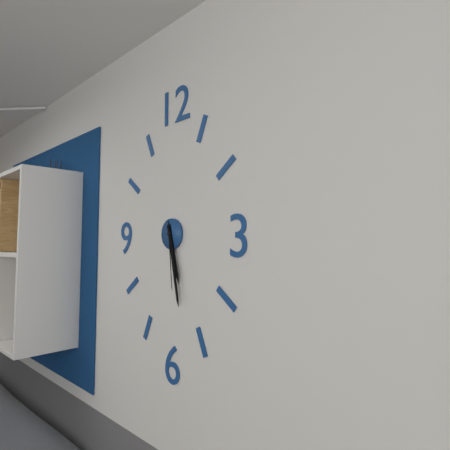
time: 5:28:29
